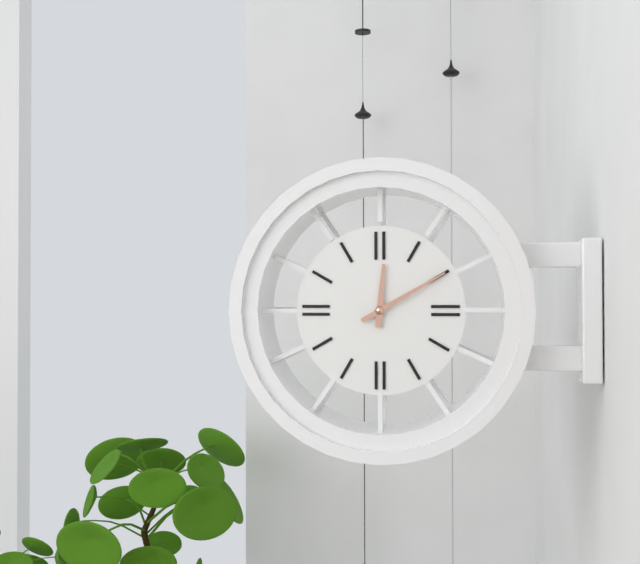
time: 12:10
